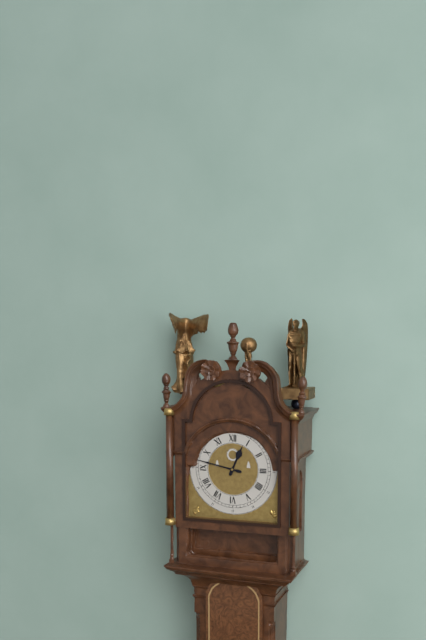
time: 12:47
